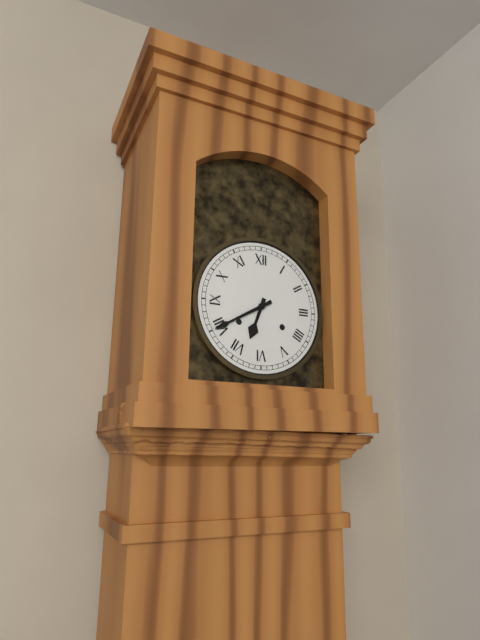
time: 6:40
